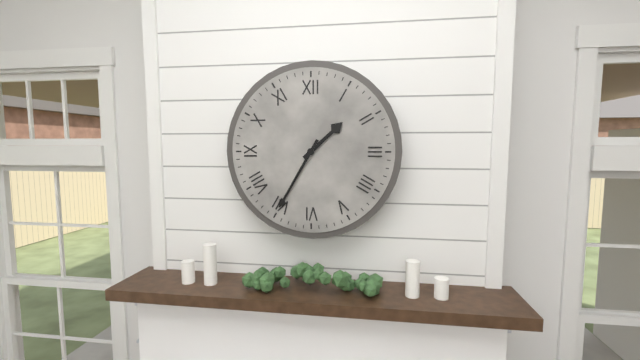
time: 1:35
